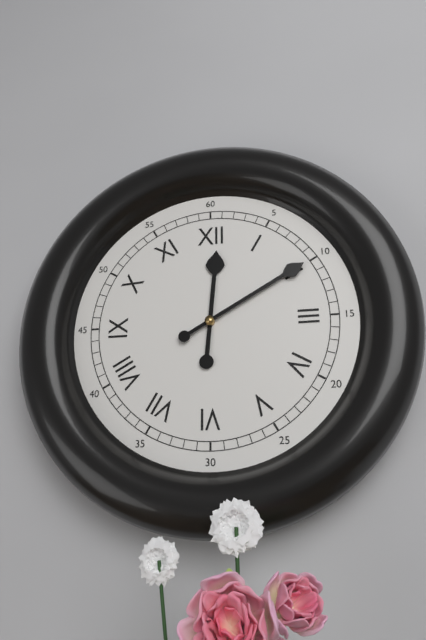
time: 12:10
